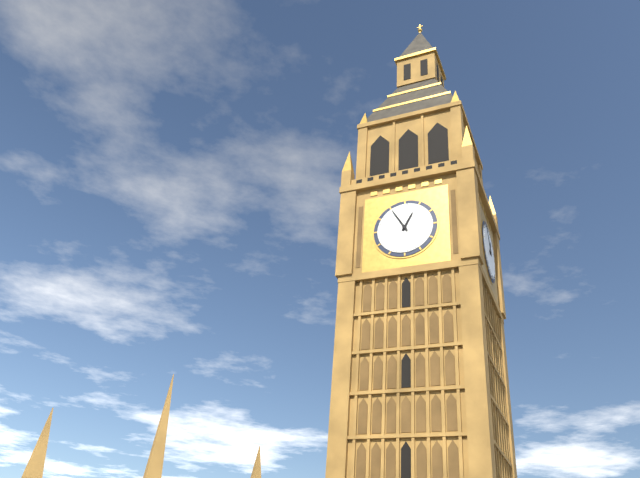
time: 12:55
